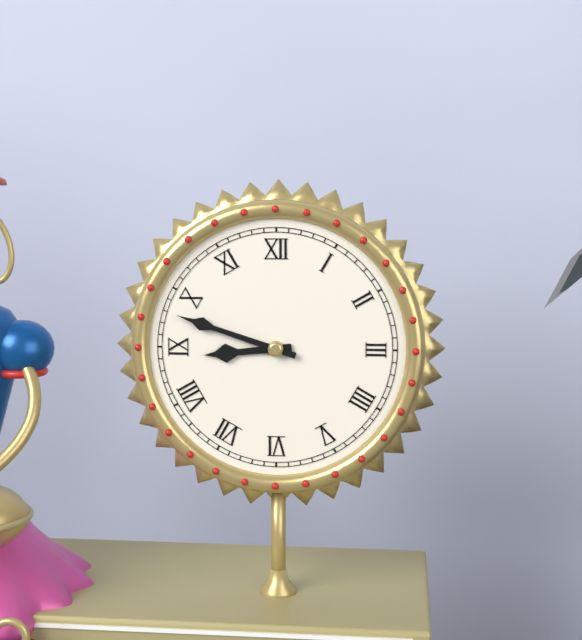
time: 8:48
